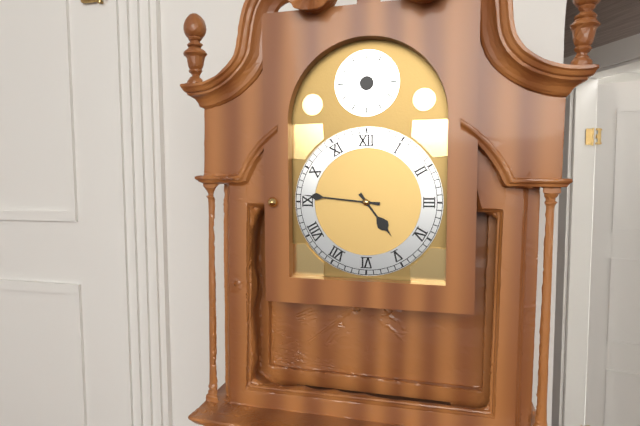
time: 4:46
